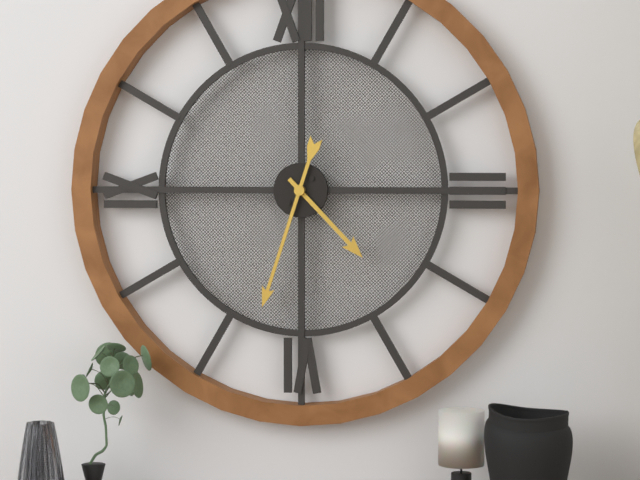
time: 4:33
